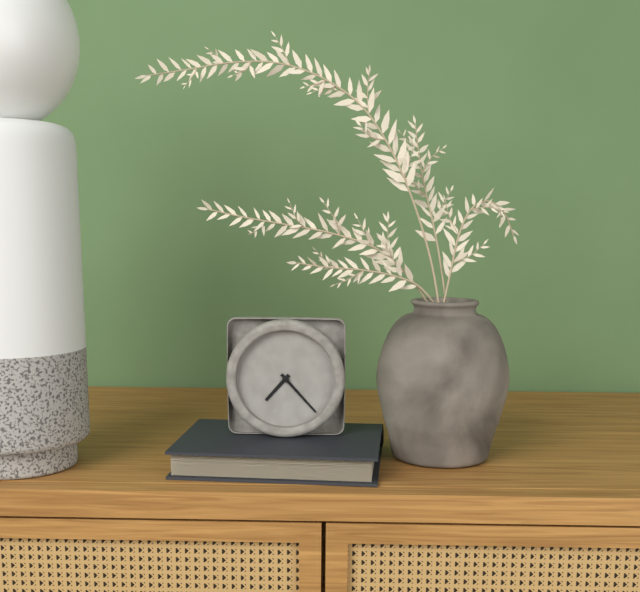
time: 7:23
